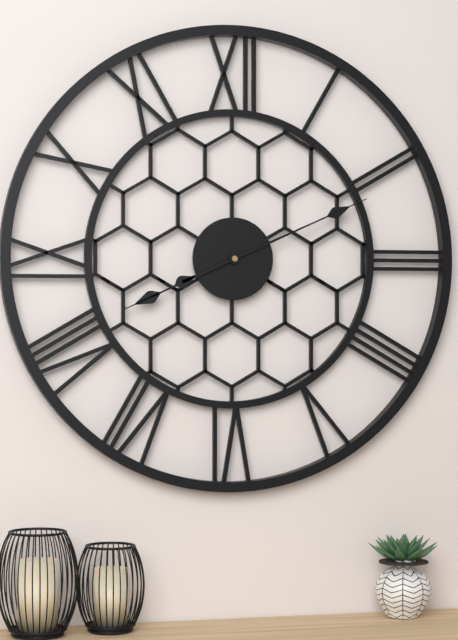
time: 8:11
